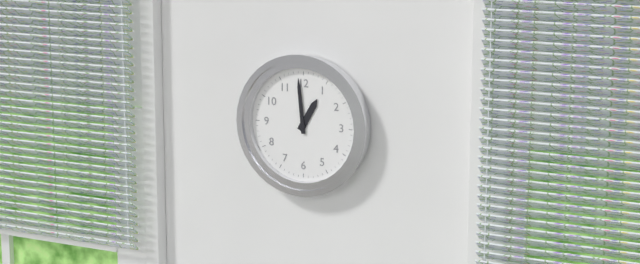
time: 12:59
